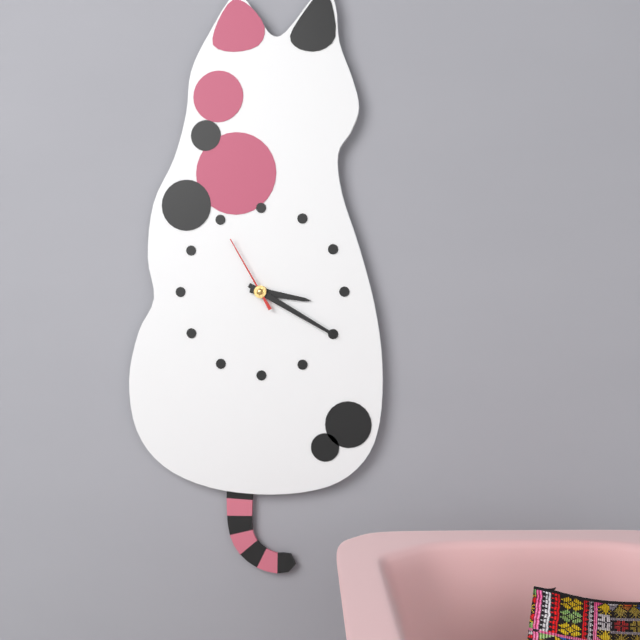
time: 3:20:55
